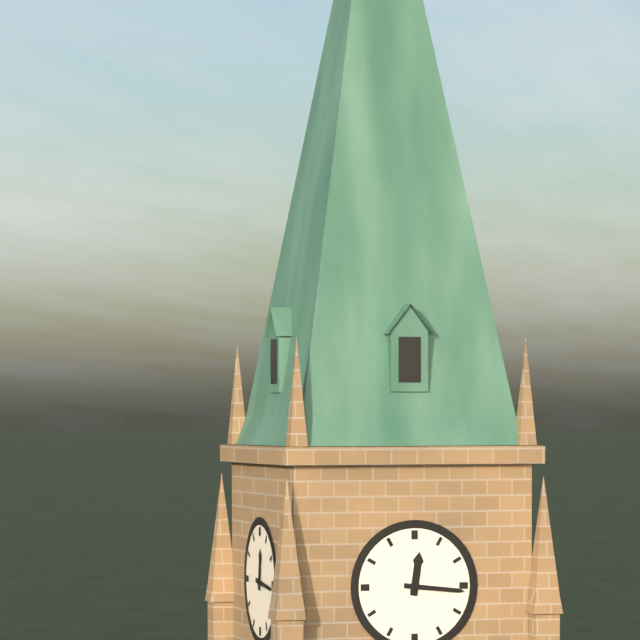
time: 12:16
